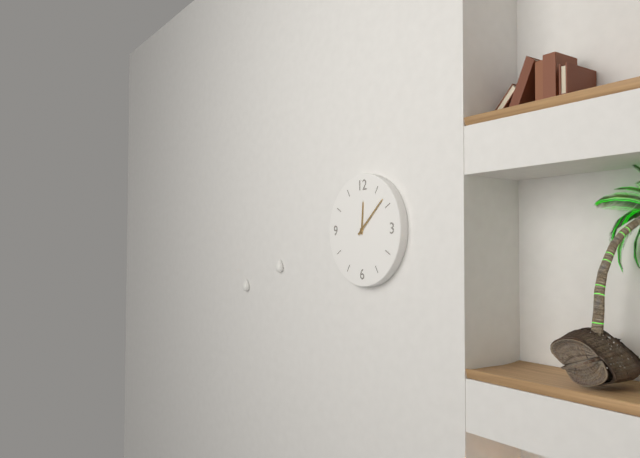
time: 12:08
